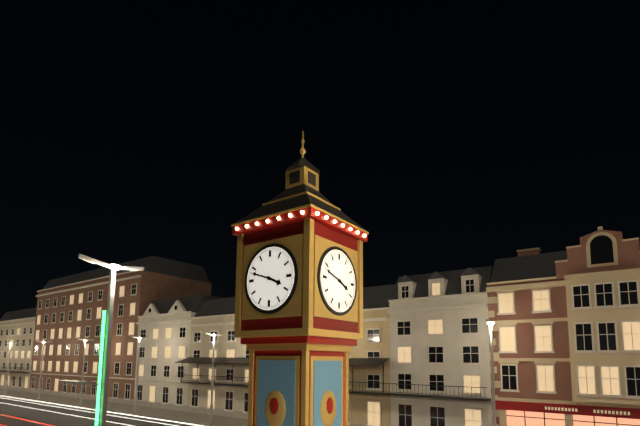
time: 3:48
